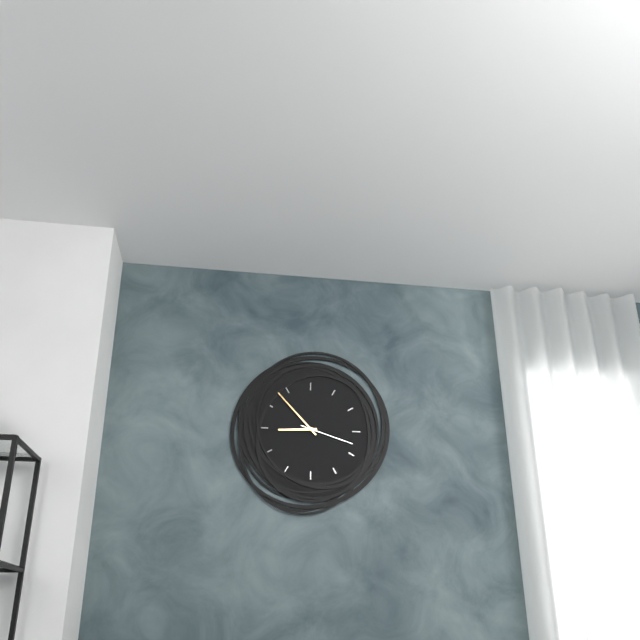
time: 8:53:18
